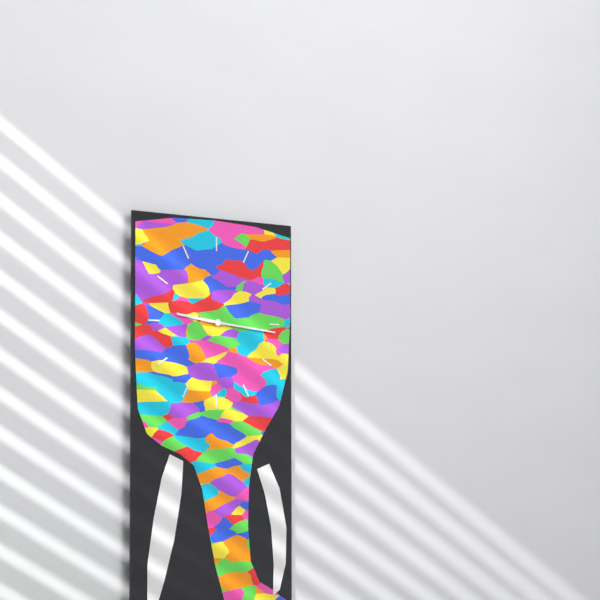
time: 9:16
